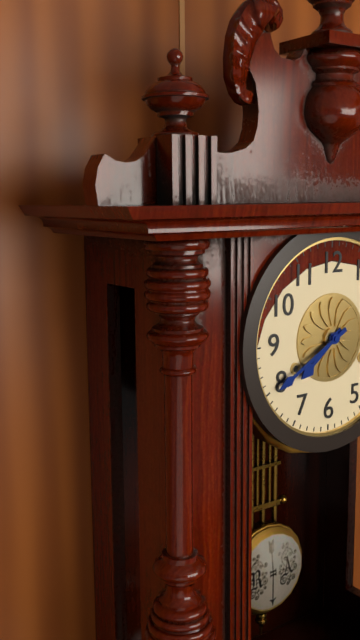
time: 7:40
